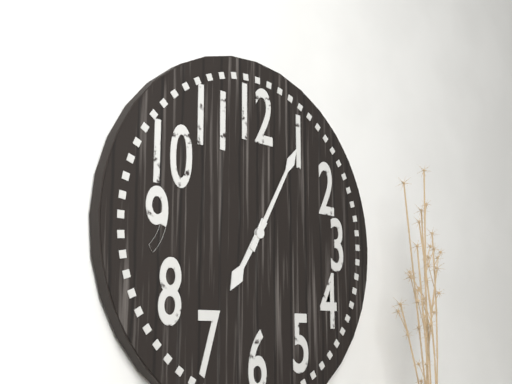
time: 7:05
